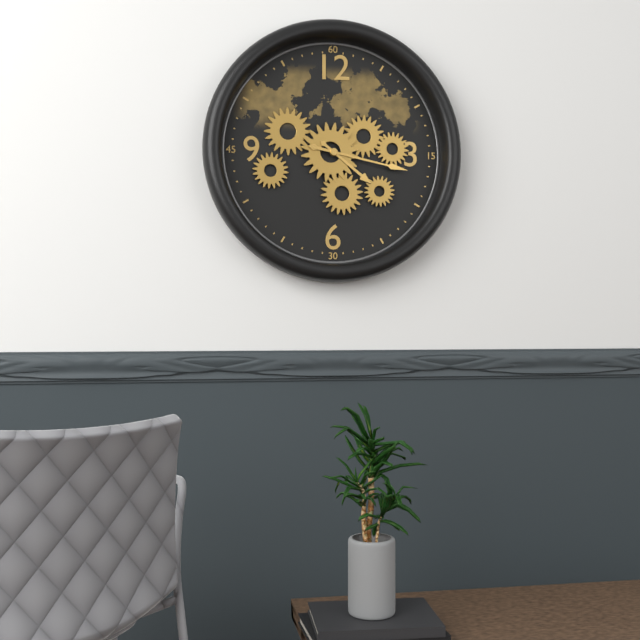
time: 4:17
